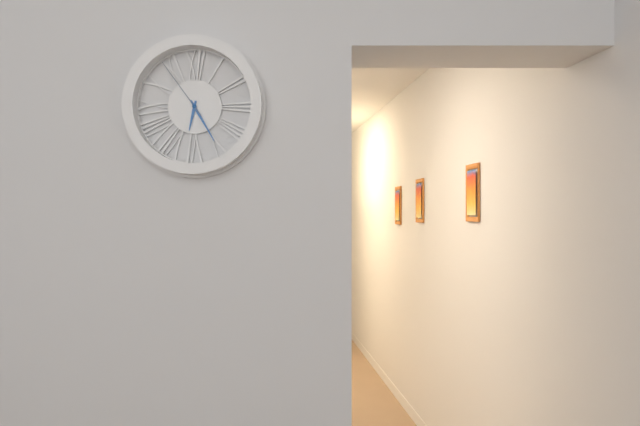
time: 6:25:54
